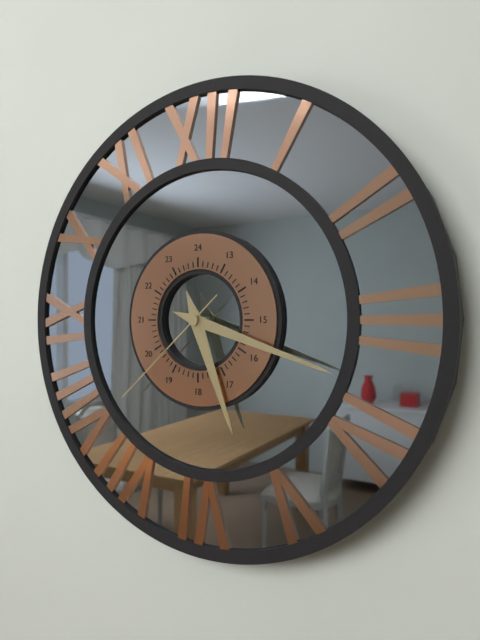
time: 5:18:38
